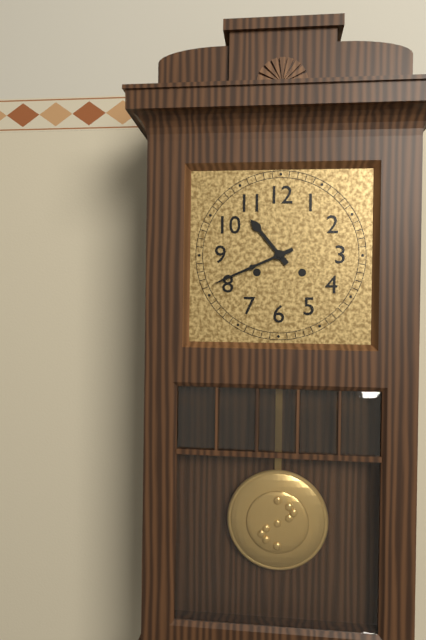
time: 10:41
